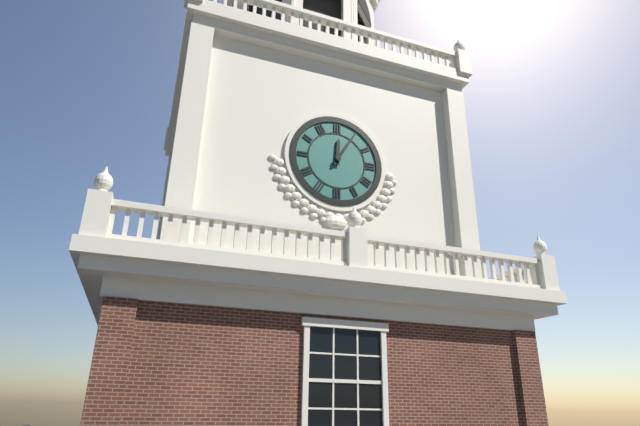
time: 12:05
